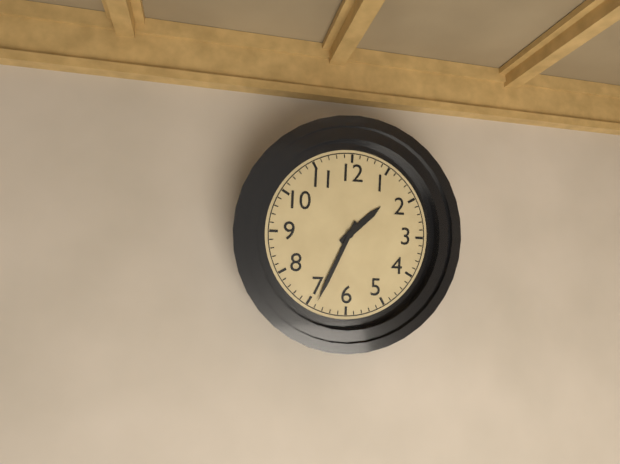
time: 1:34
